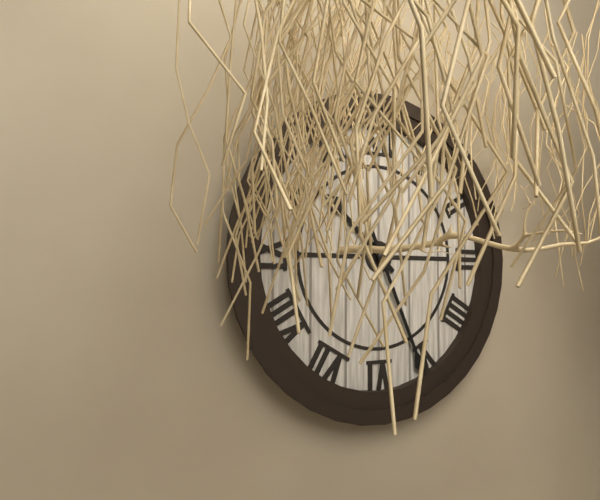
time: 10:26
